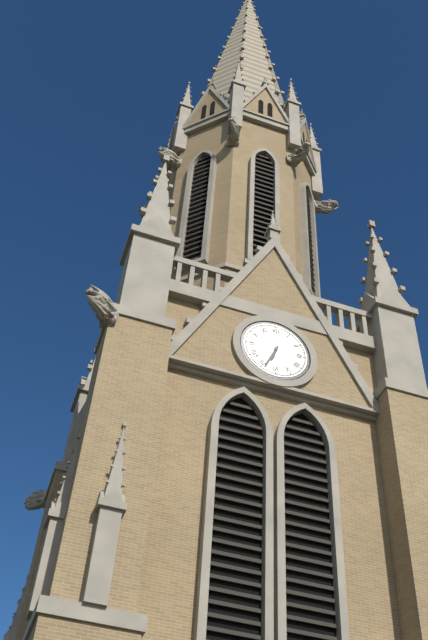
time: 6:34
